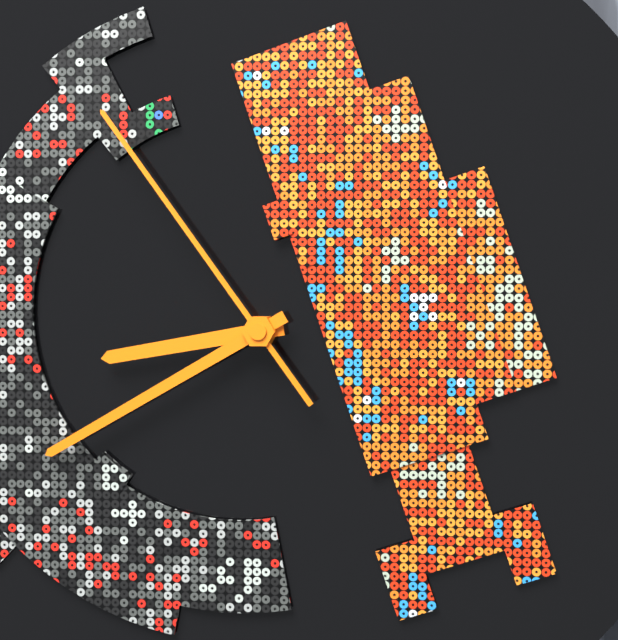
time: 8:40:54
